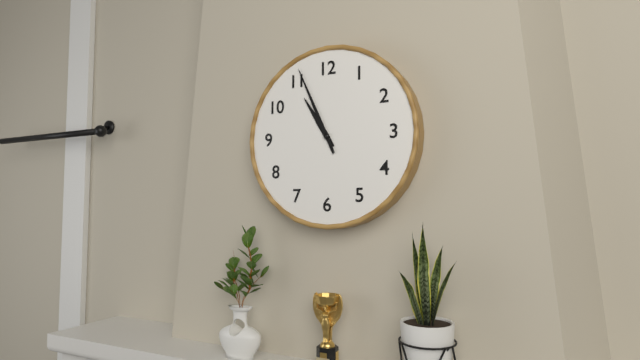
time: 10:56
